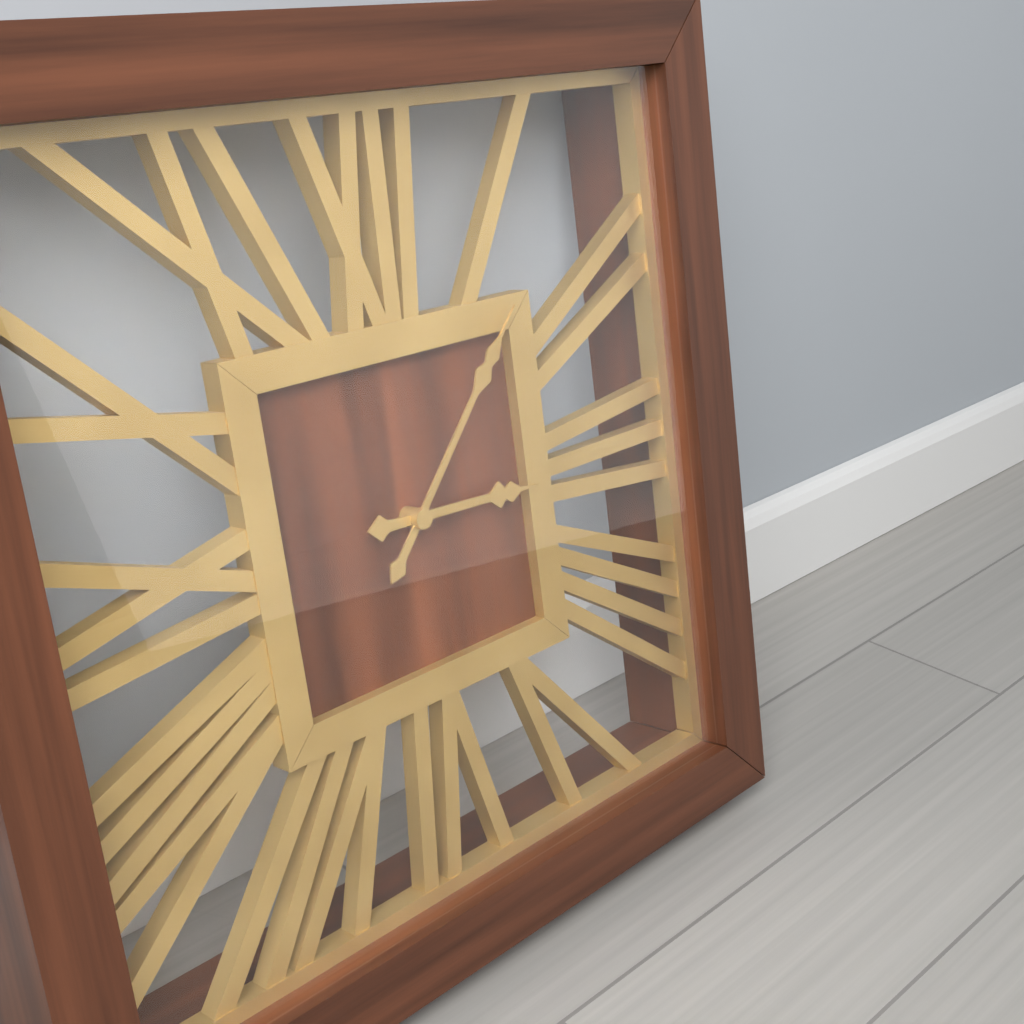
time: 3:07
